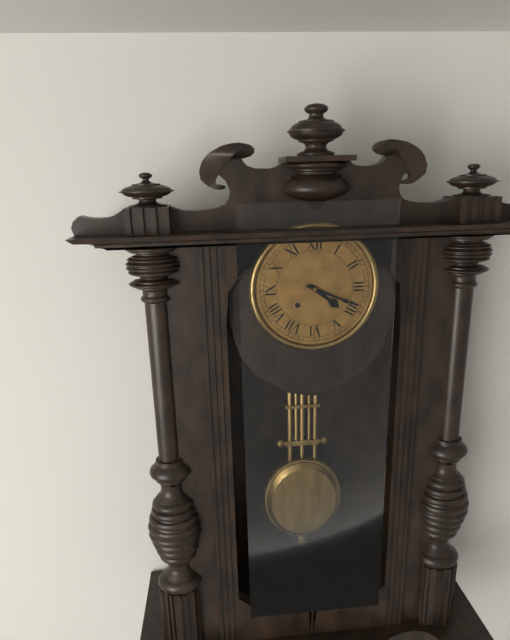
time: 4:19
